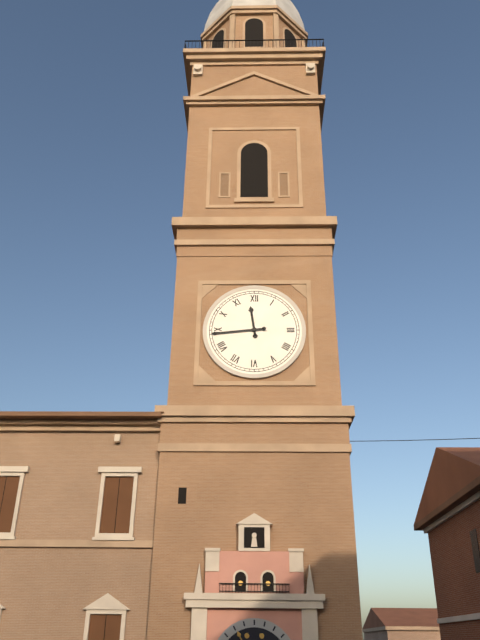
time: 11:44
